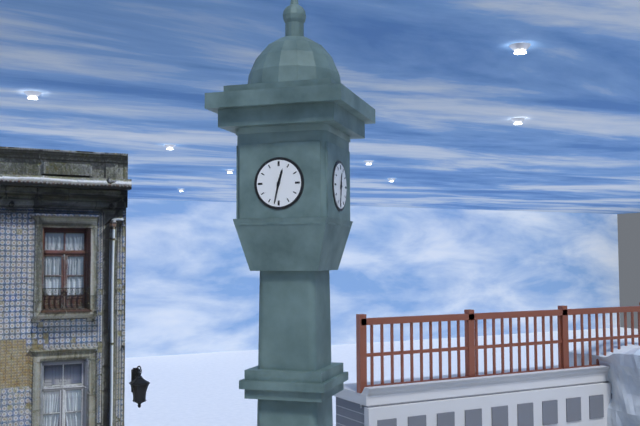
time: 12:32
